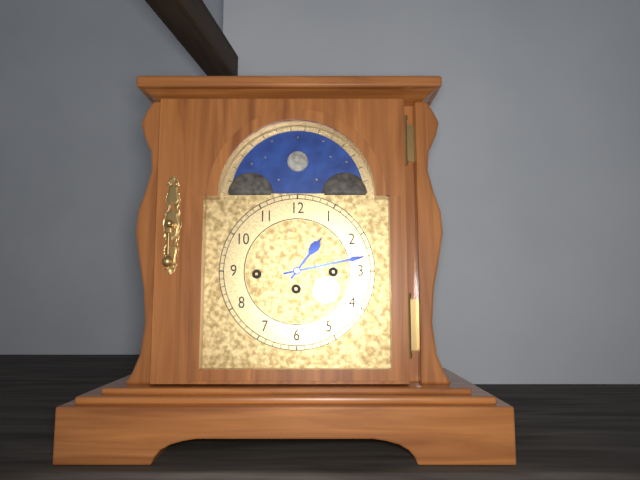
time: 1:13
